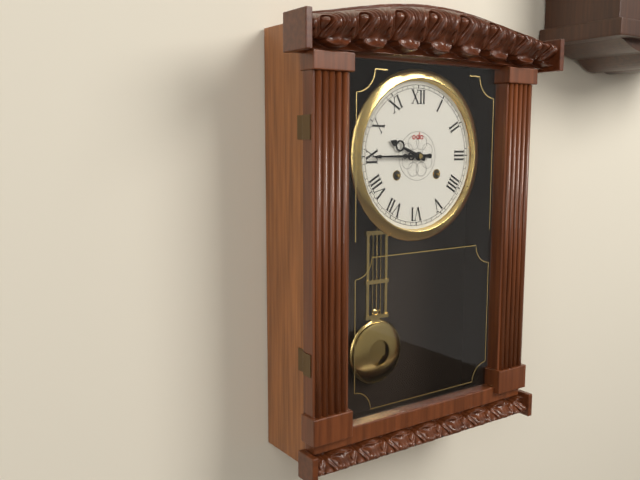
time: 9:45
